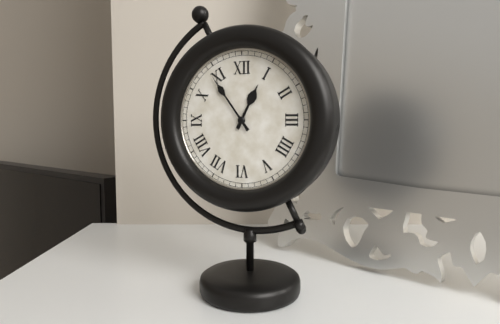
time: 12:54
